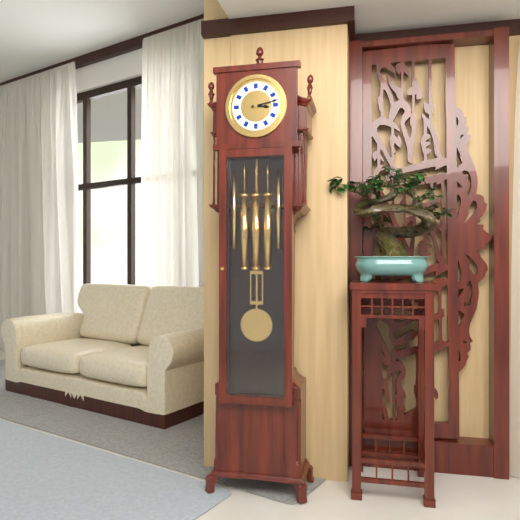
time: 3:13
